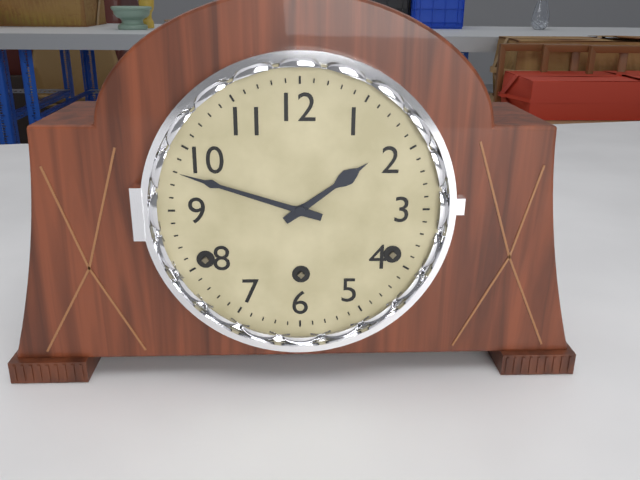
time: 1:48
